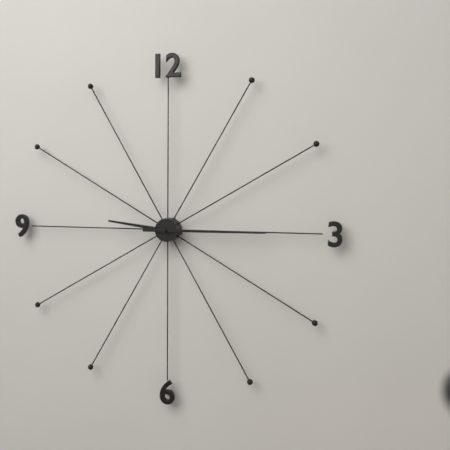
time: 9:15
